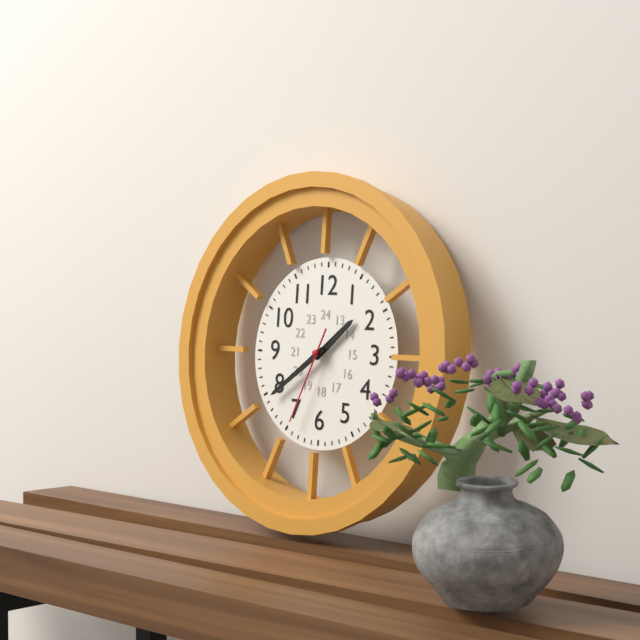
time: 1:39:34
